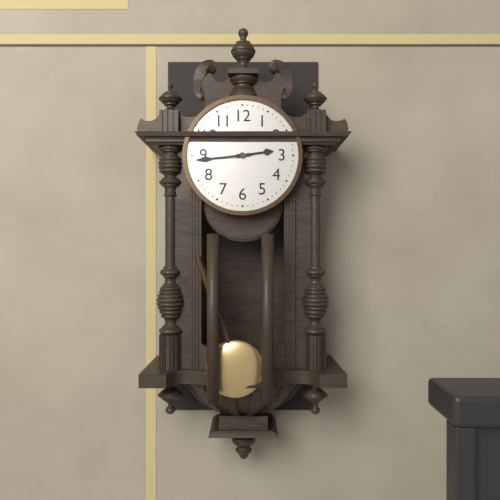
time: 2:44
